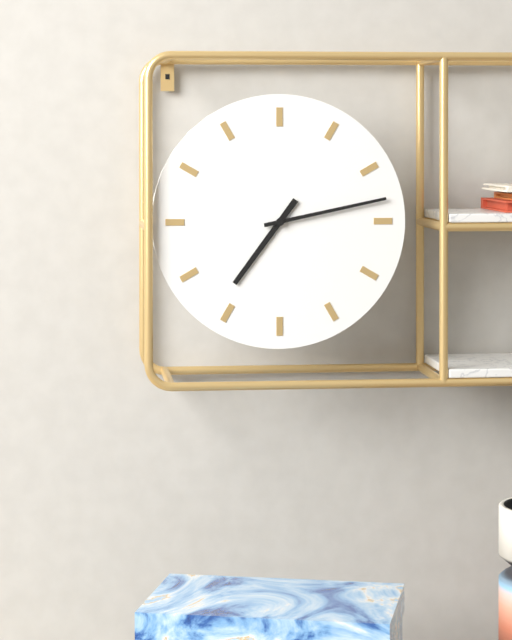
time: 7:13
